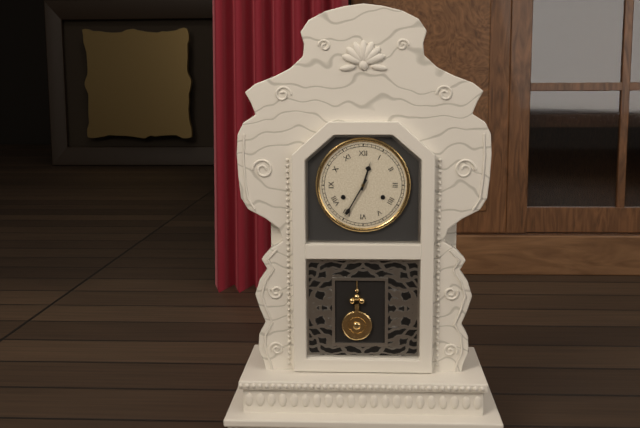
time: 12:35
